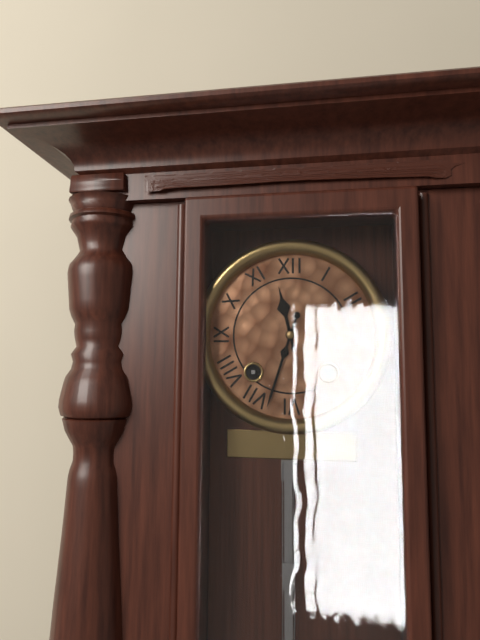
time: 11:33
